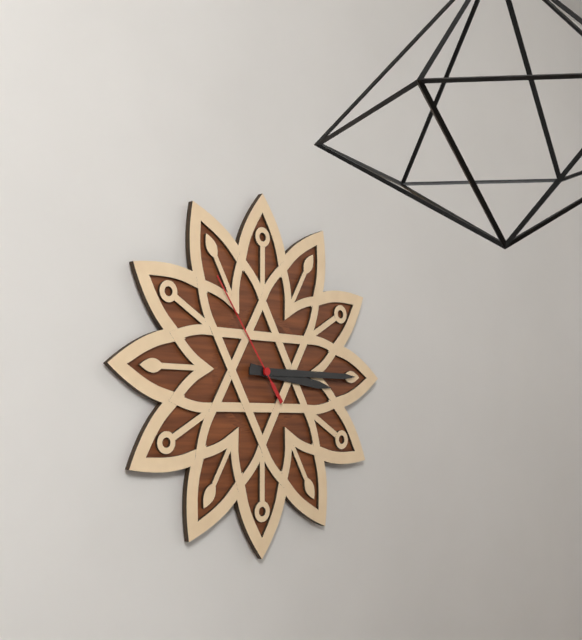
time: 3:15:54
